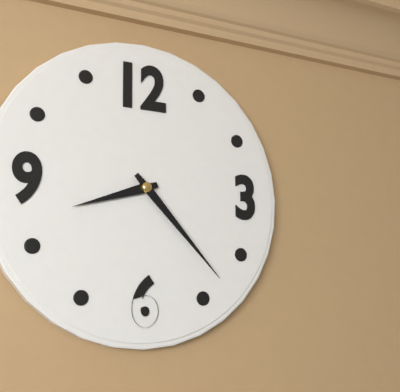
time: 8:23
